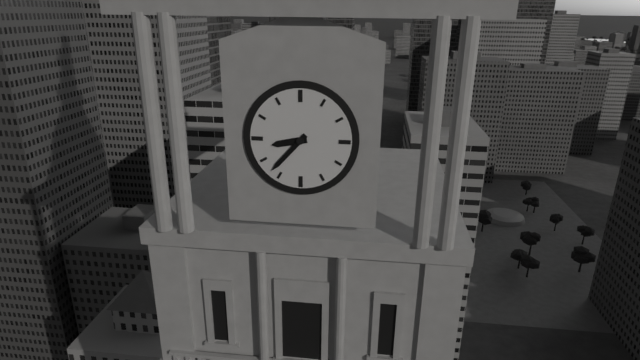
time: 8:37
